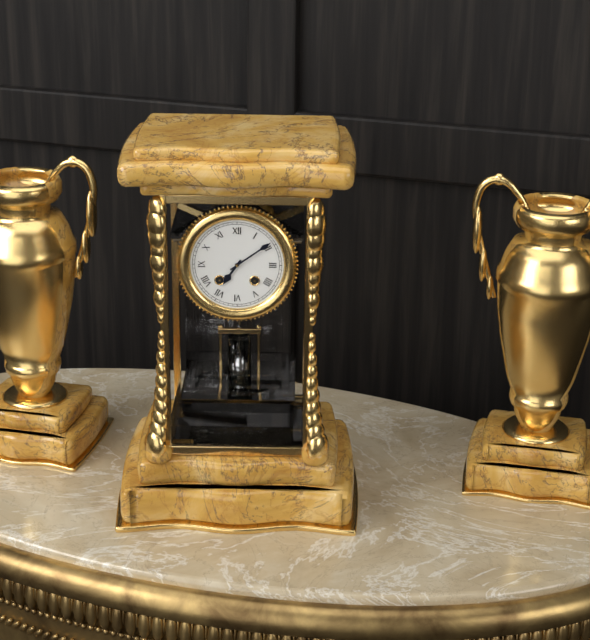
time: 7:09
